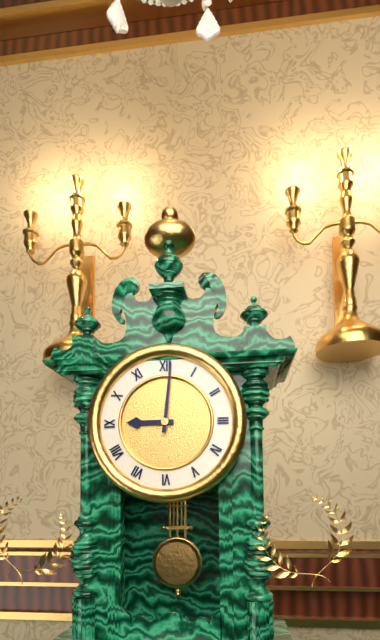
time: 9:01
